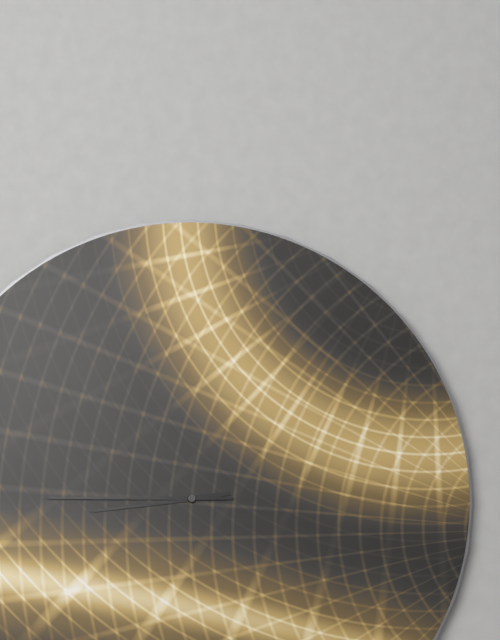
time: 8:45
